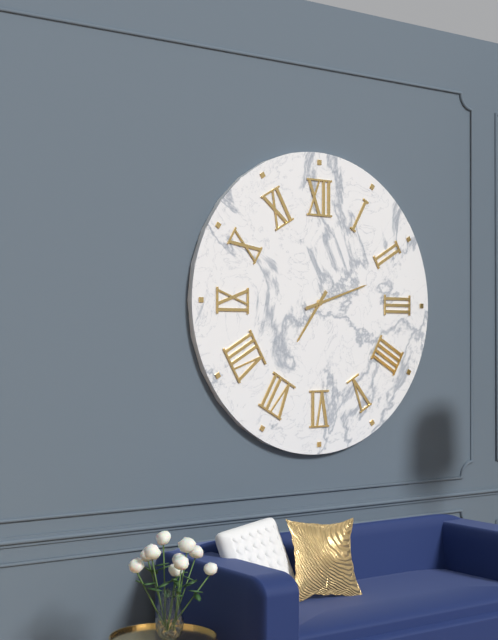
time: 7:12
